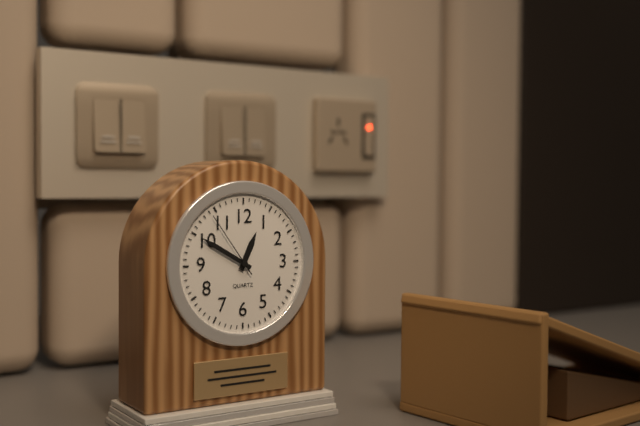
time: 12:50:54
